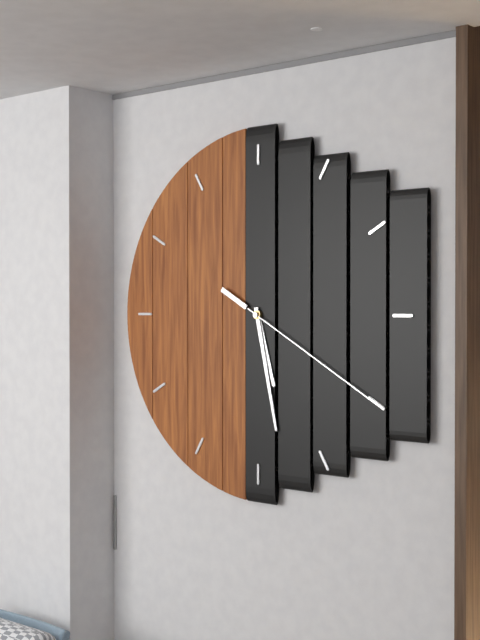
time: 5:28:20
